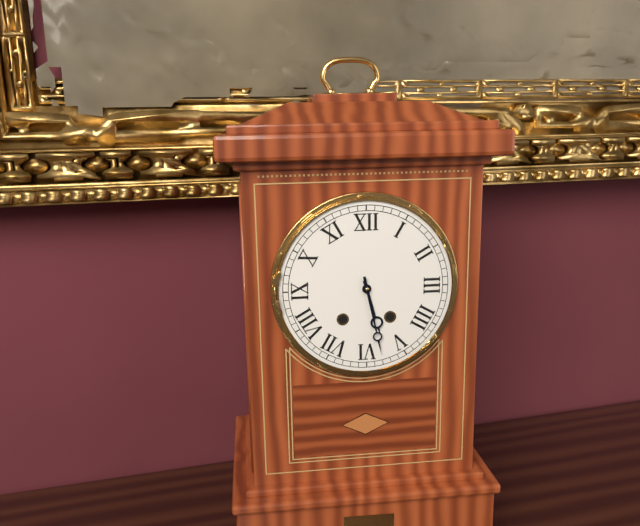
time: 5:28
